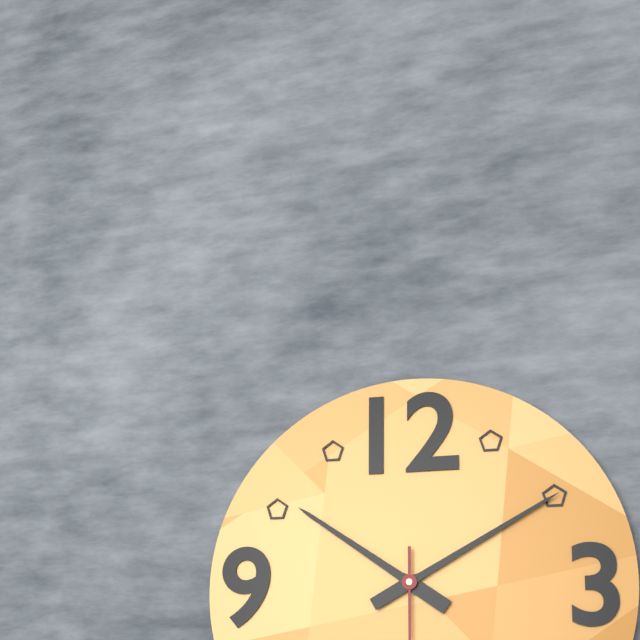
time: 10:10
